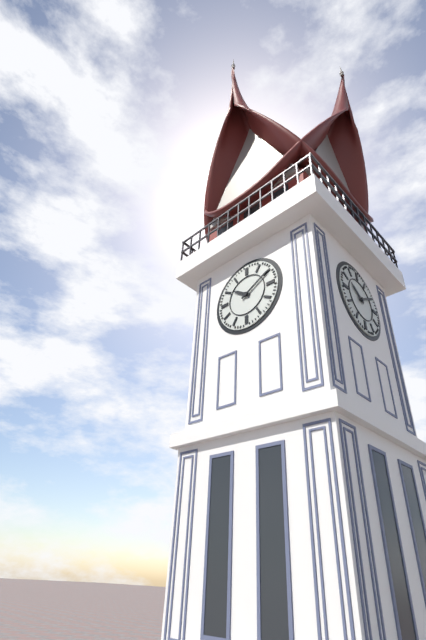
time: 10:10
